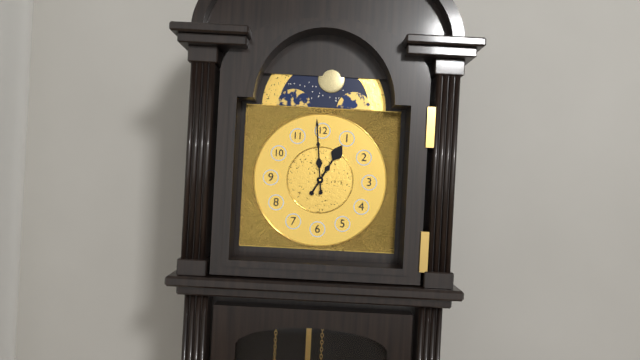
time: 12:59
